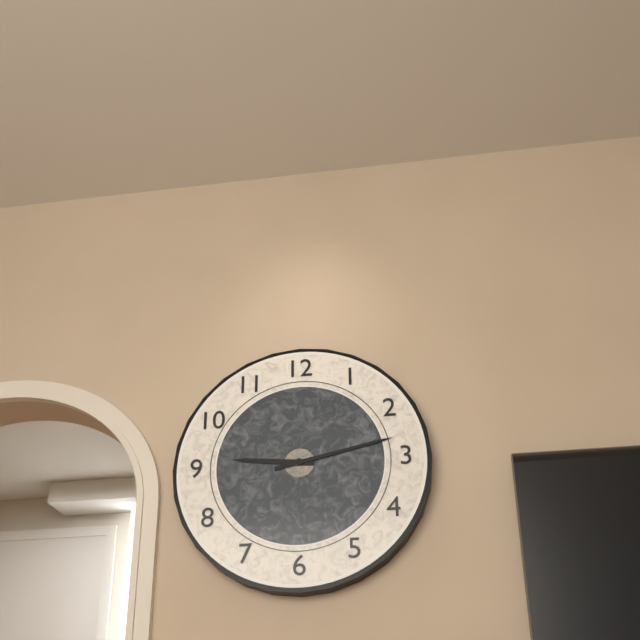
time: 9:13
